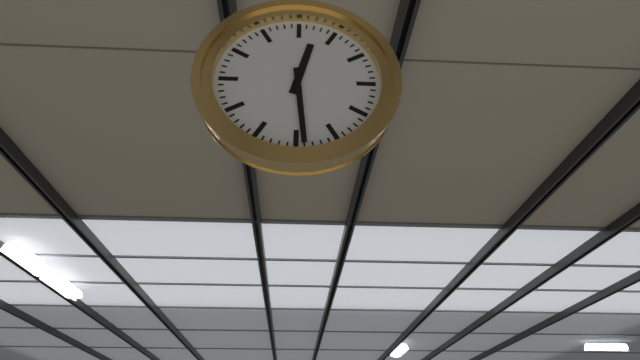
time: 12:29
